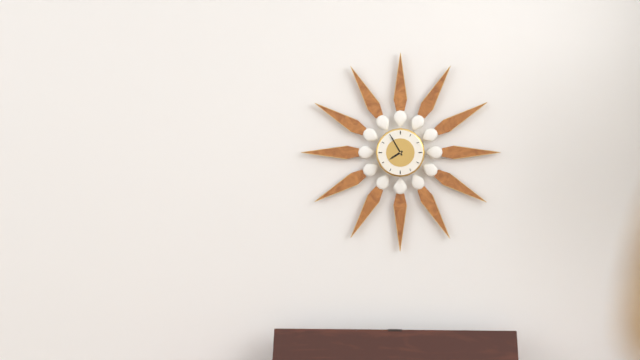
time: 7:55
